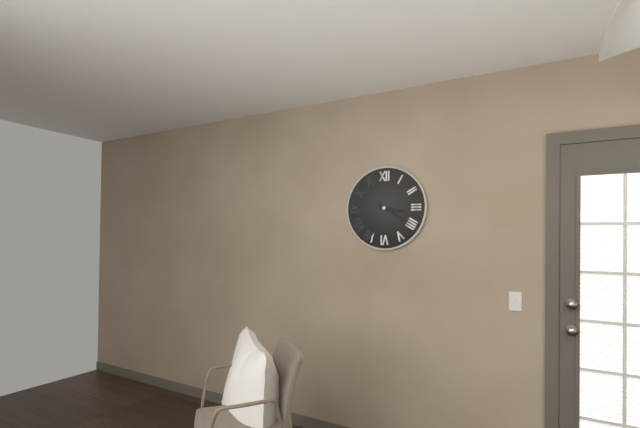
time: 3:20
